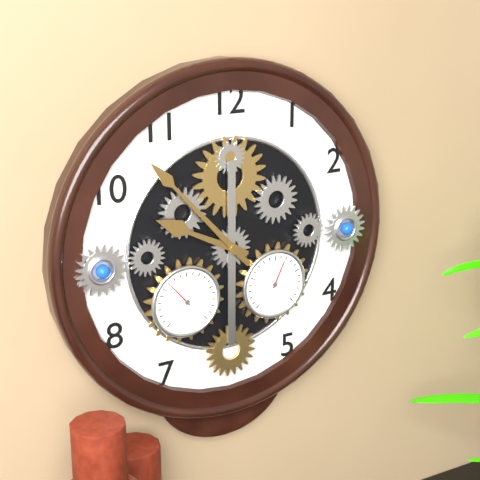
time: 9:53
